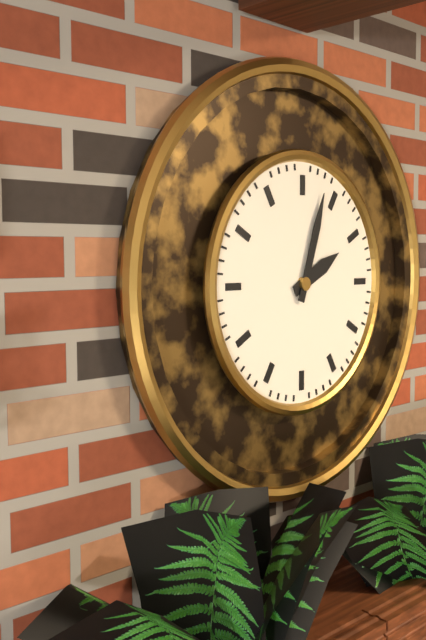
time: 2:03
